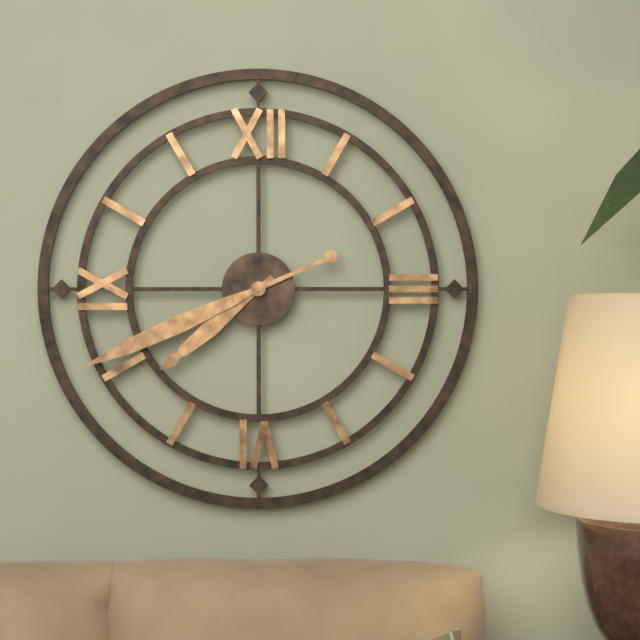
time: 7:41
